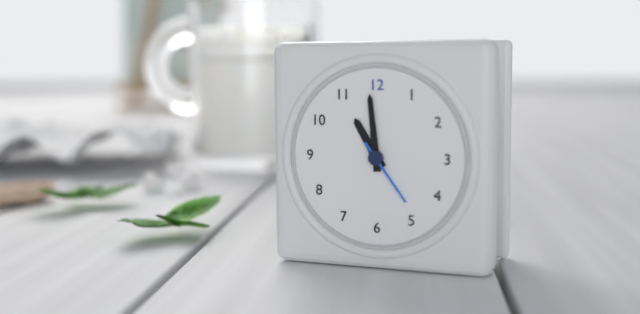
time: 10:59:24
